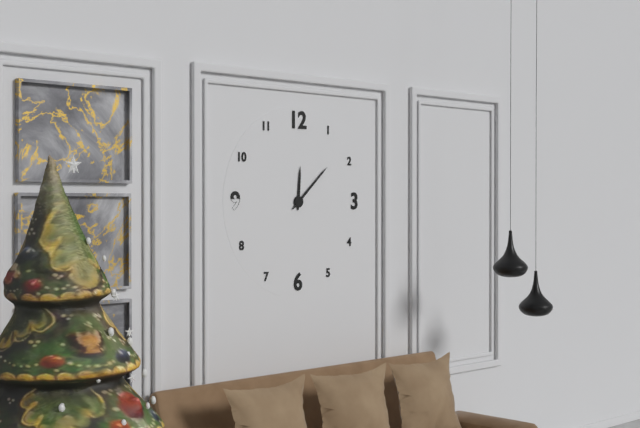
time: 12:08
